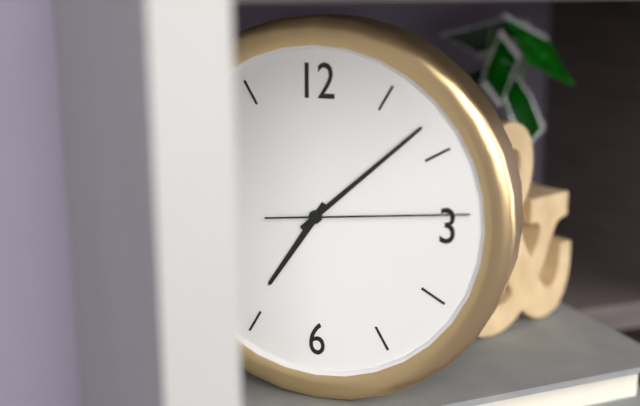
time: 7:08:14
